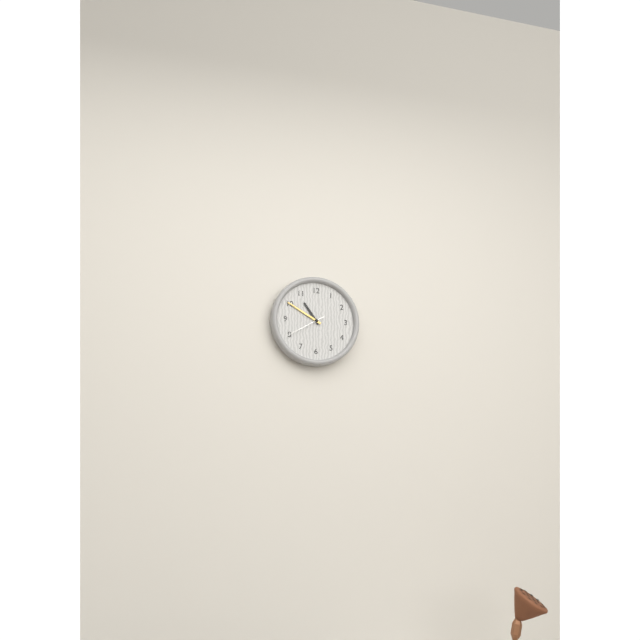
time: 10:50
